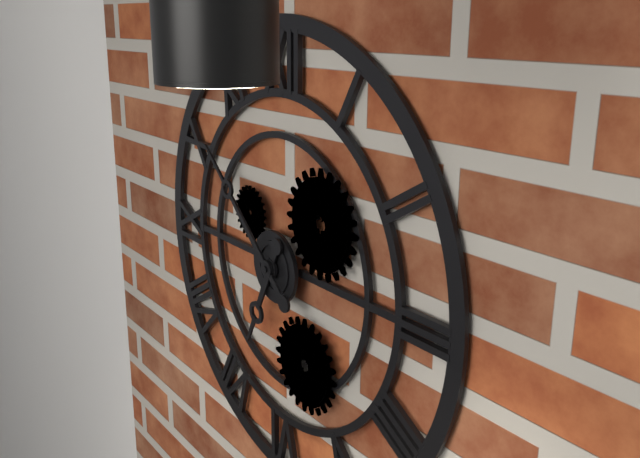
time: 6:52
